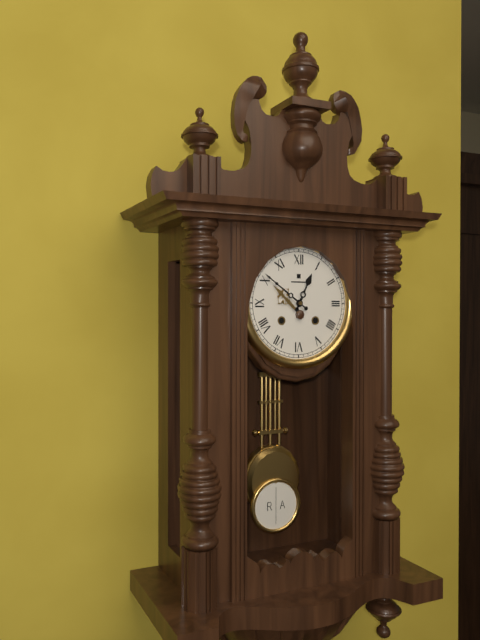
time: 12:51
